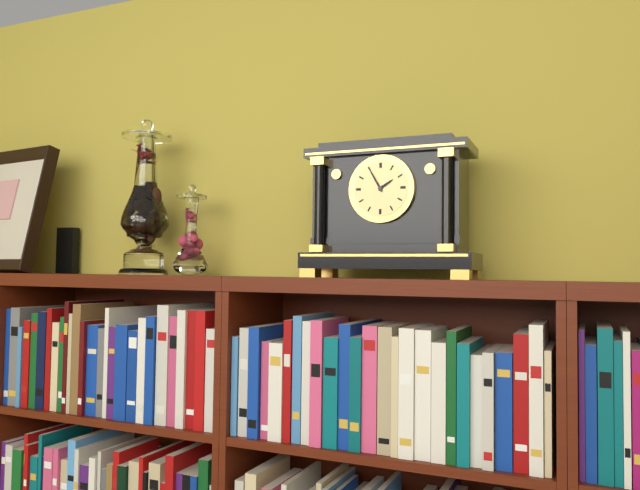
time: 1:55
